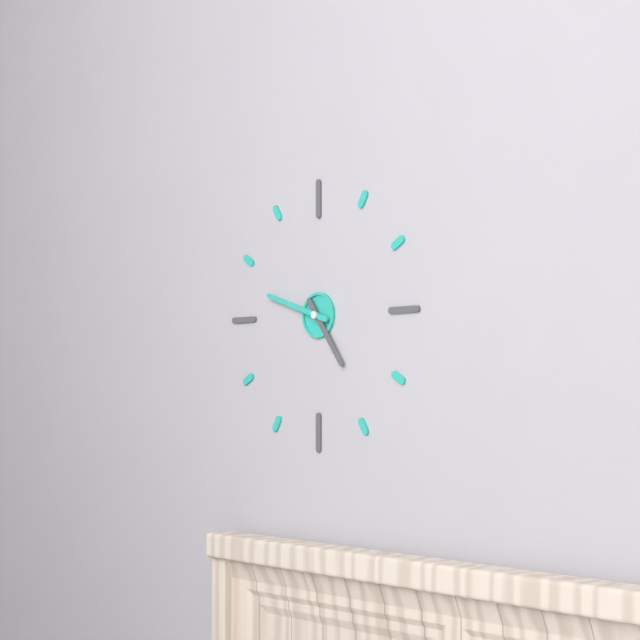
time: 4:48
